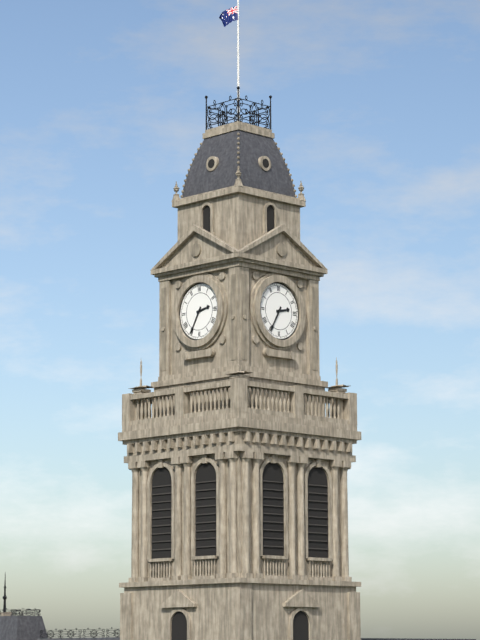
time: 2:35
